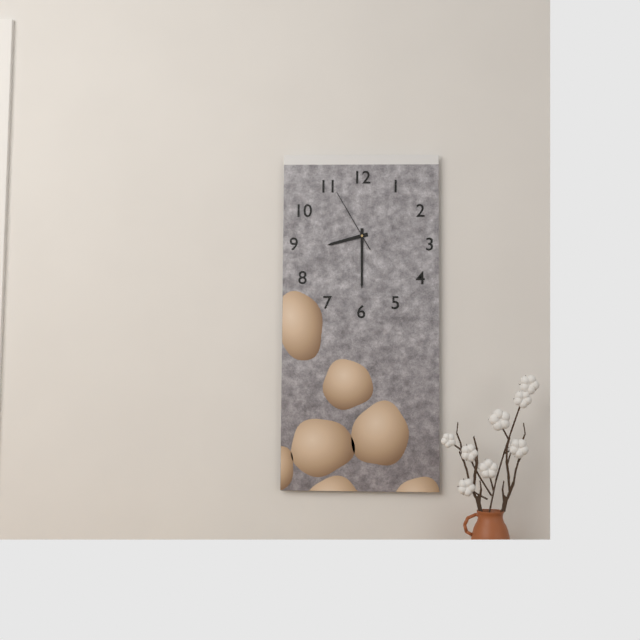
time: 8:30:55
